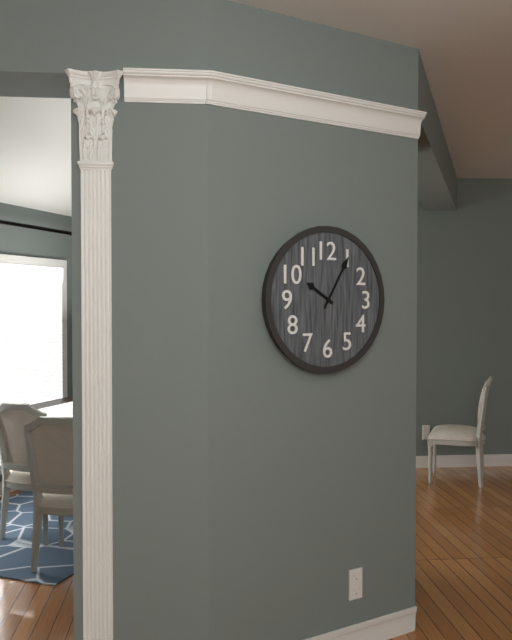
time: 10:05
